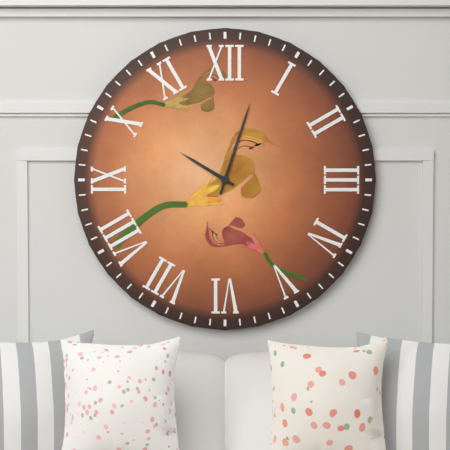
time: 10:03
